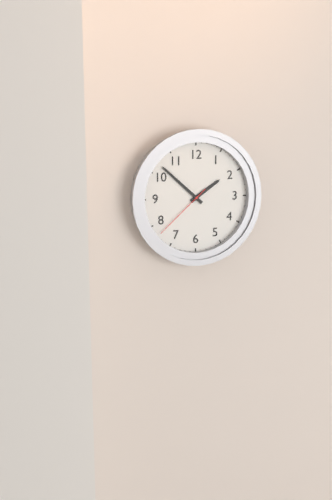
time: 1:52:38
